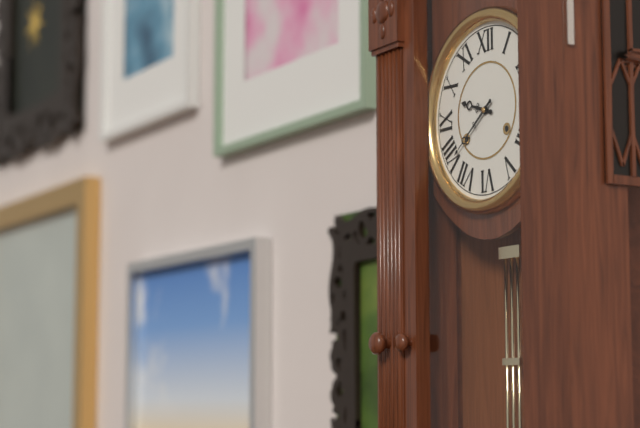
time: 9:39
